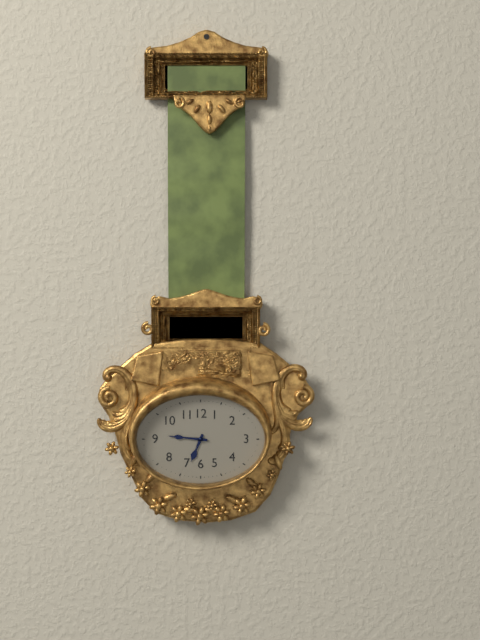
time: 6:46
